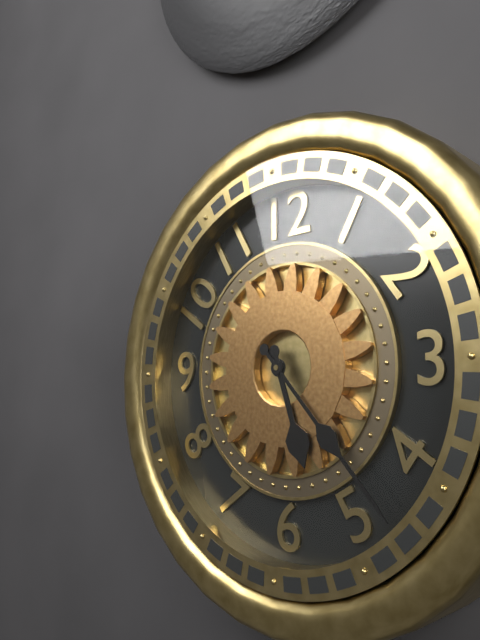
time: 5:23
